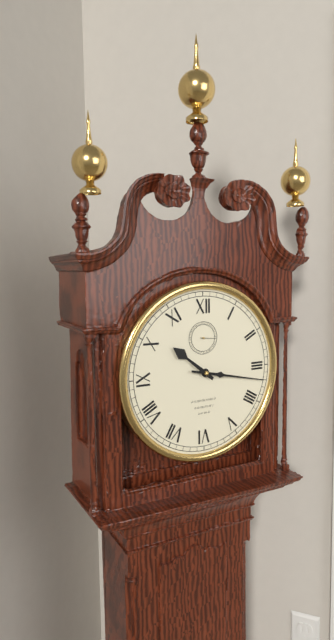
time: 10:17
